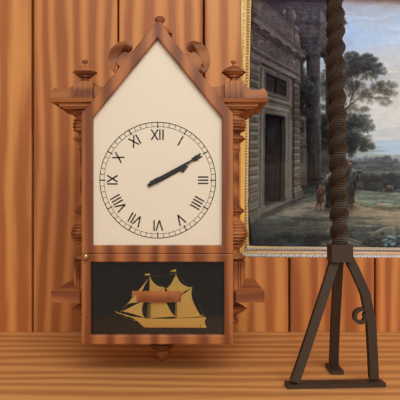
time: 2:10
